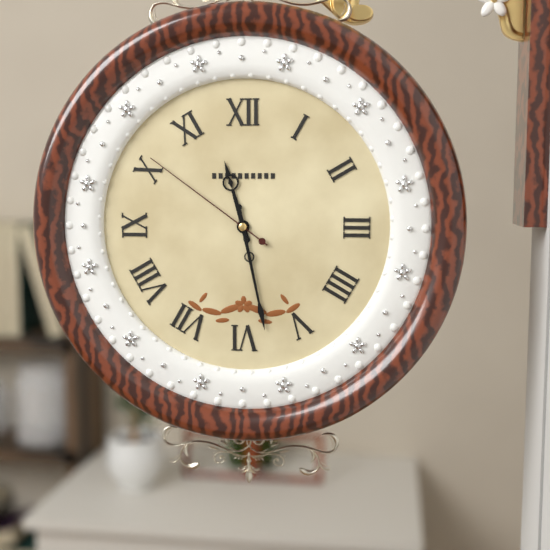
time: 11:28:51
